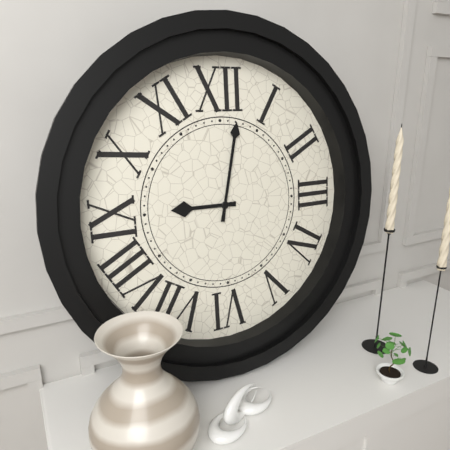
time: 9:02
